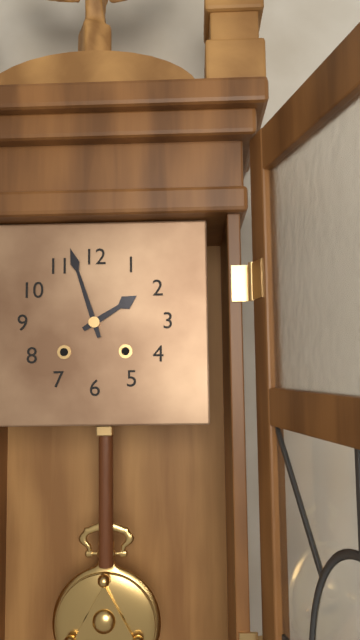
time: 1:57
